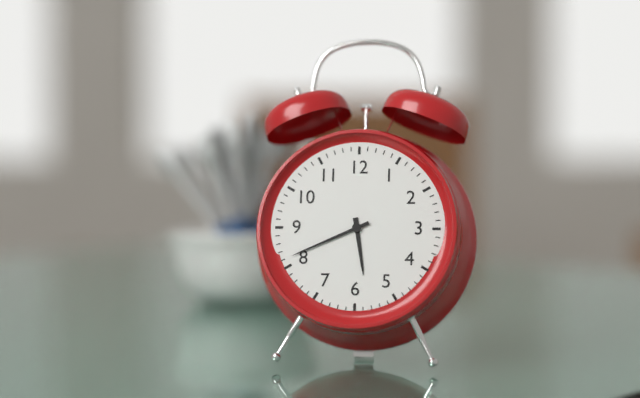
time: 5:41
